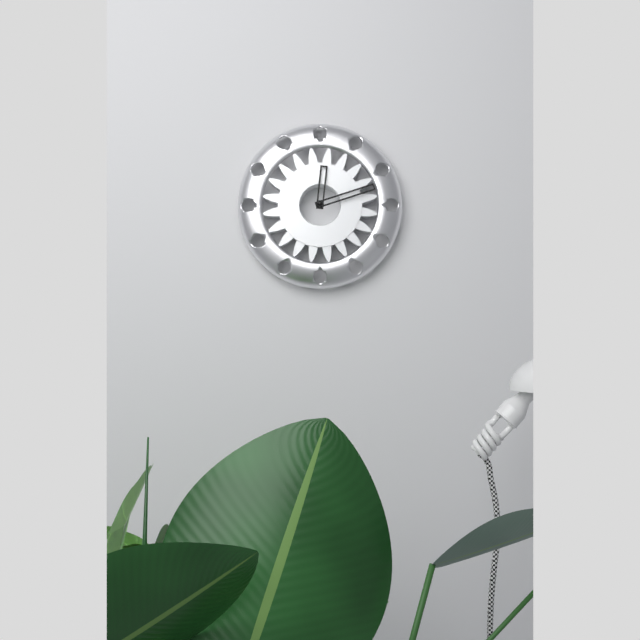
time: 12:12
